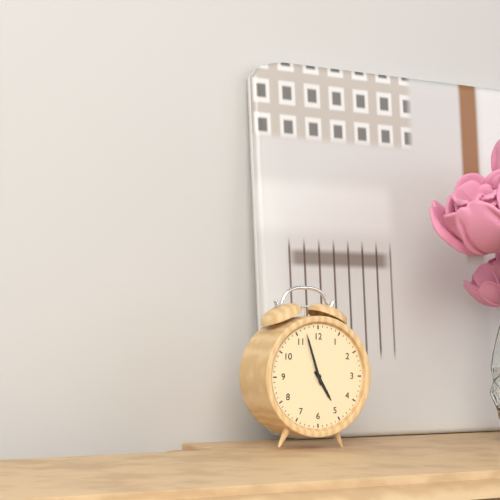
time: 4:57
